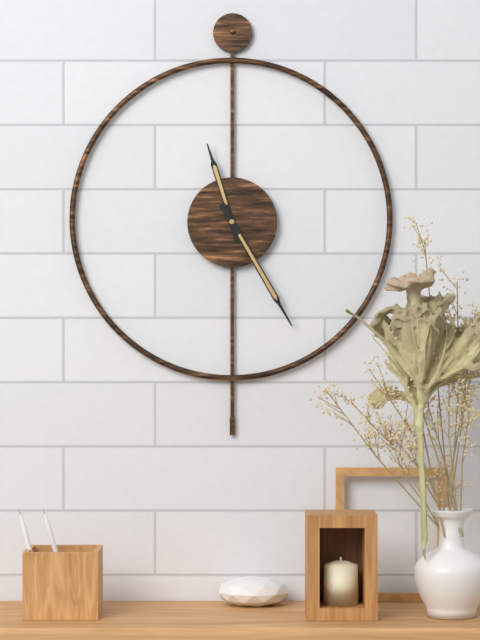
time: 11:25
